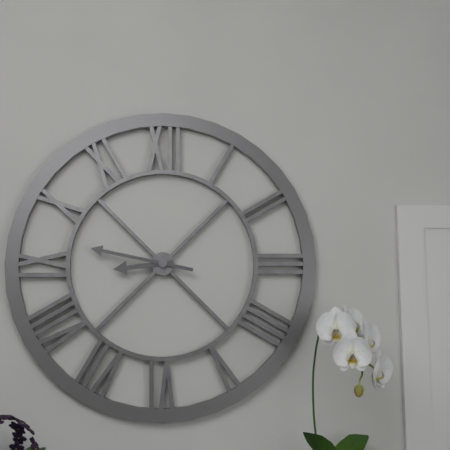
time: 8:47
